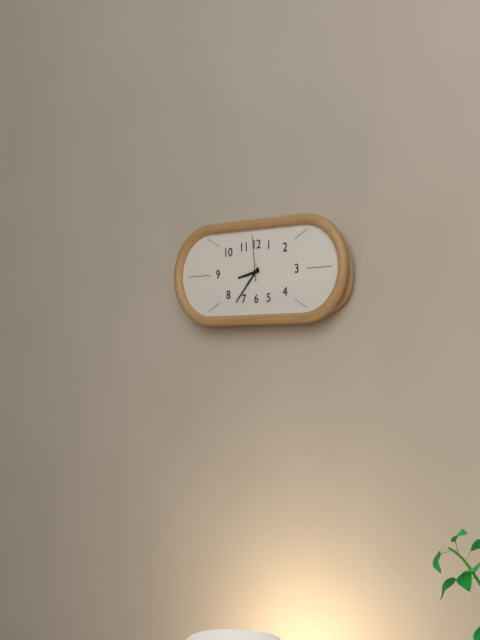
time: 8:37
